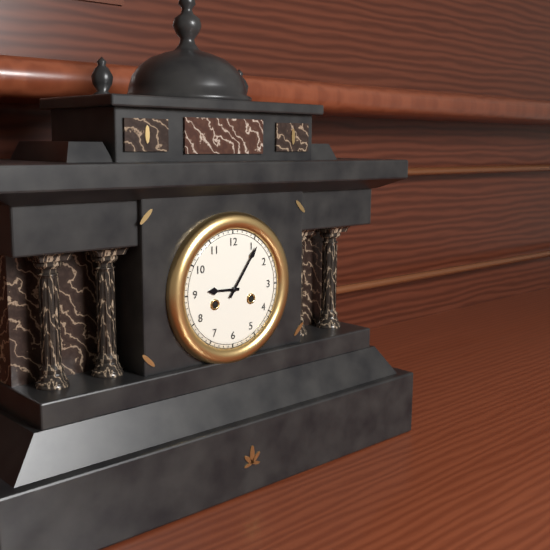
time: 9:06
